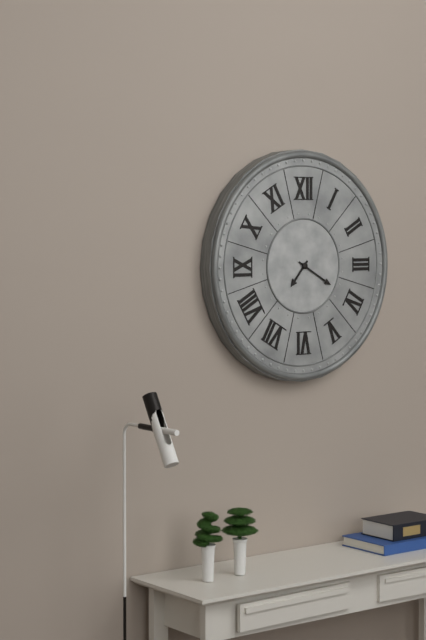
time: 7:20
